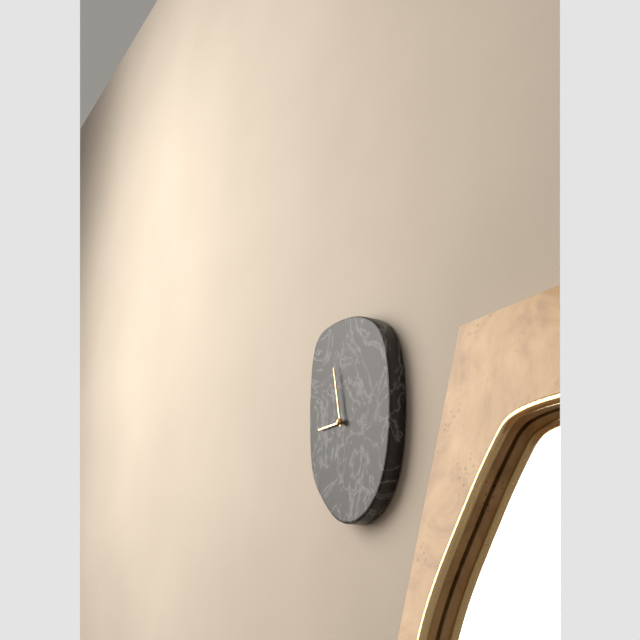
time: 8:58
